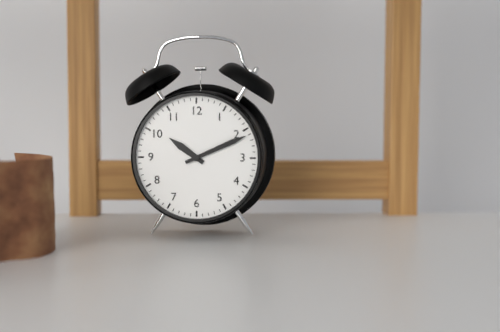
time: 10:11
